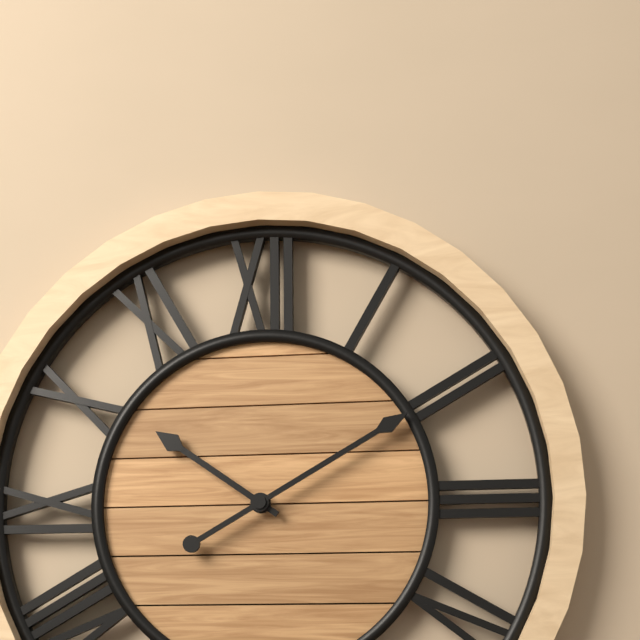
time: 10:10
